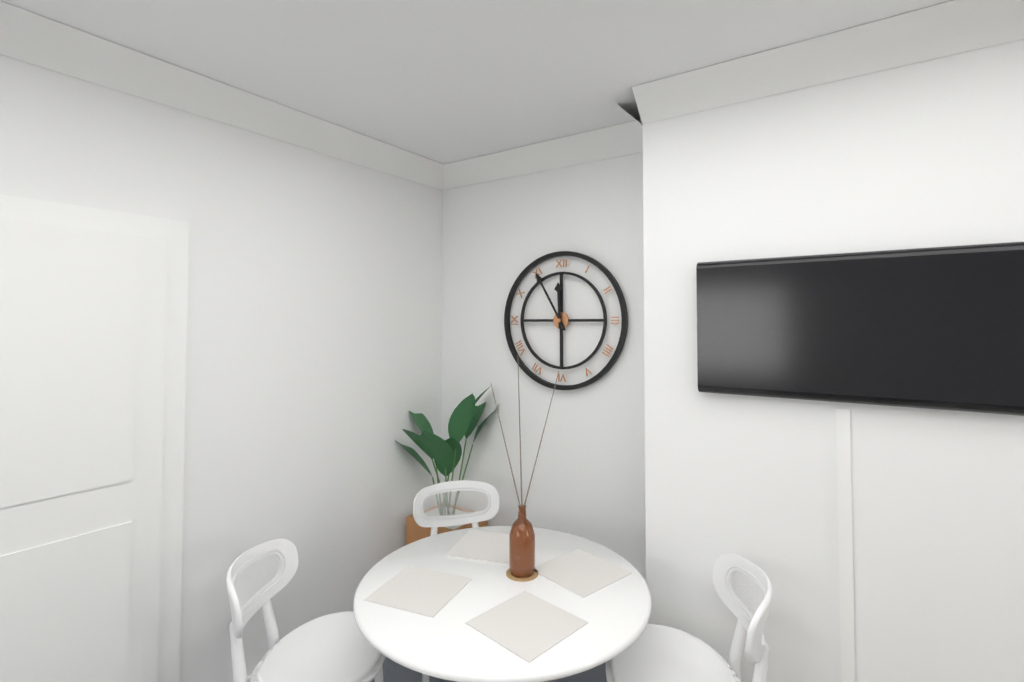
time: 11:55
